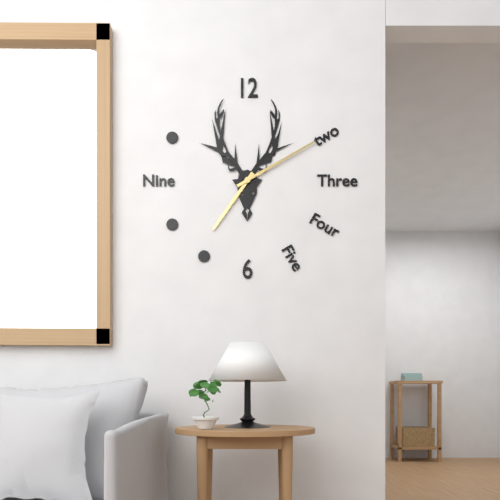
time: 7:10
